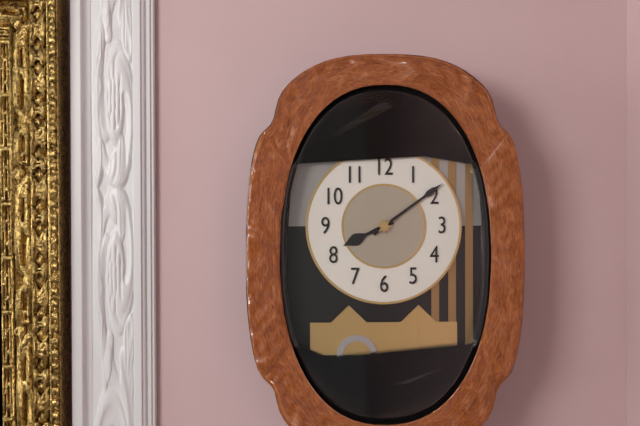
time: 8:09
